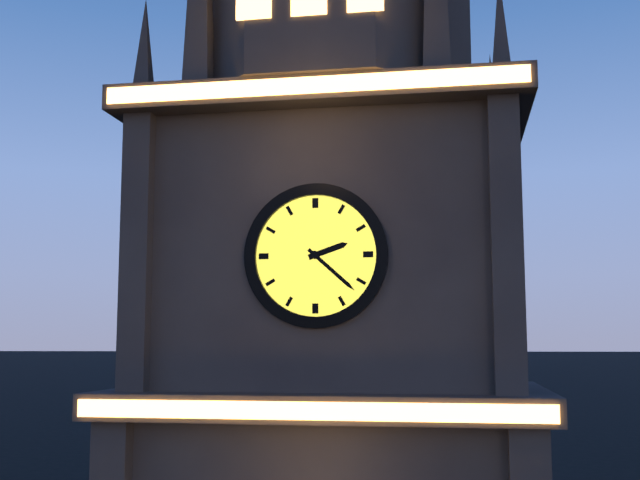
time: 2:22
